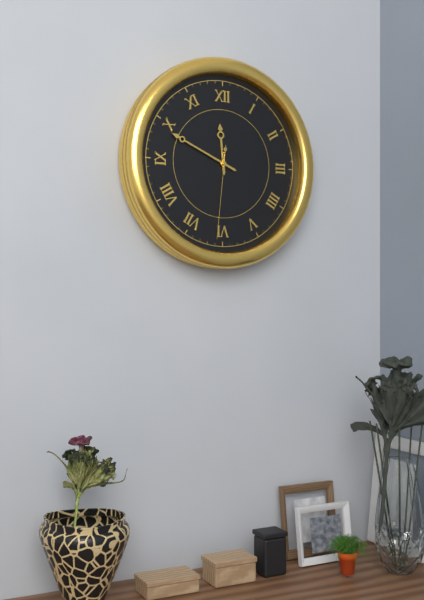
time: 11:49:31
